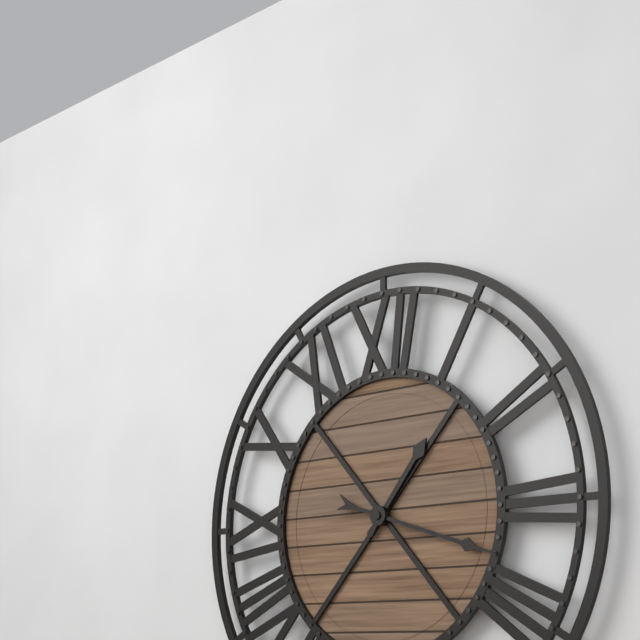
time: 1:18
